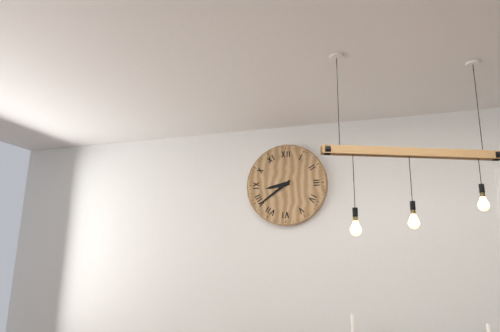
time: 8:39
